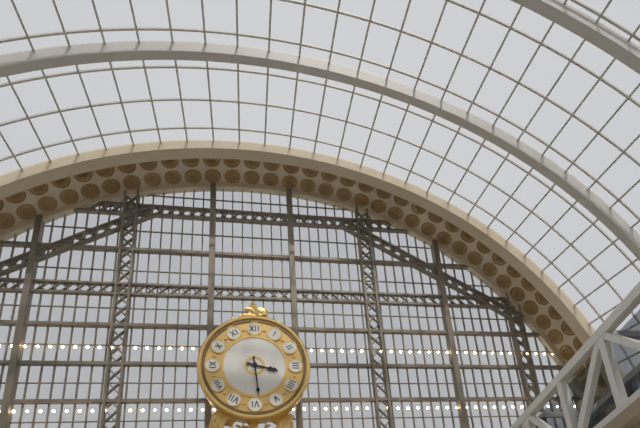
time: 3:29
